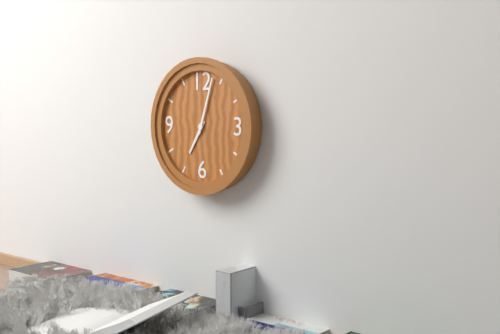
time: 7:03
